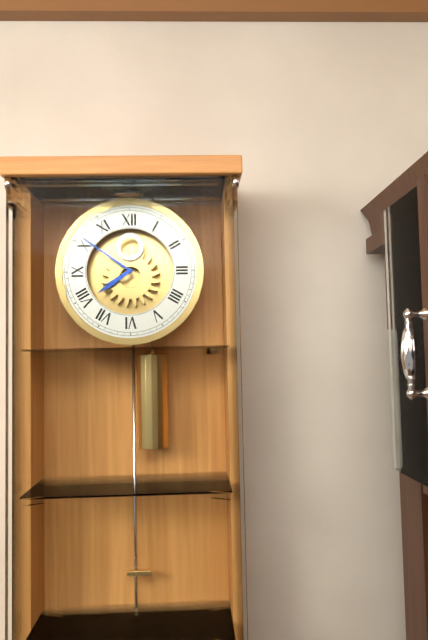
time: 7:51
